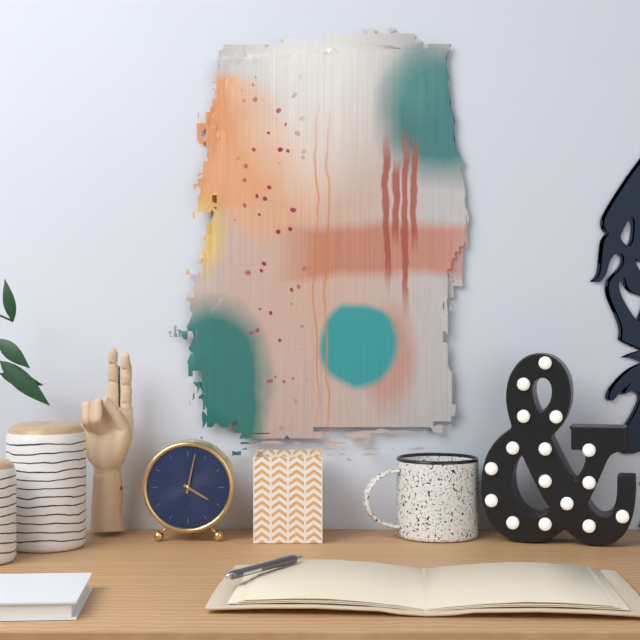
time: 4:02
